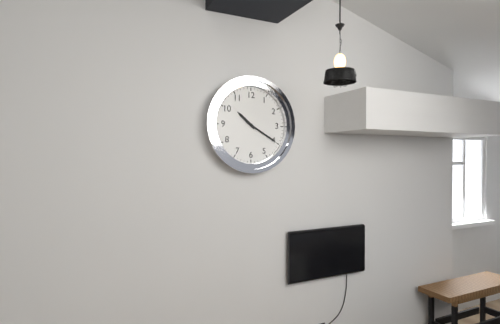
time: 10:20
